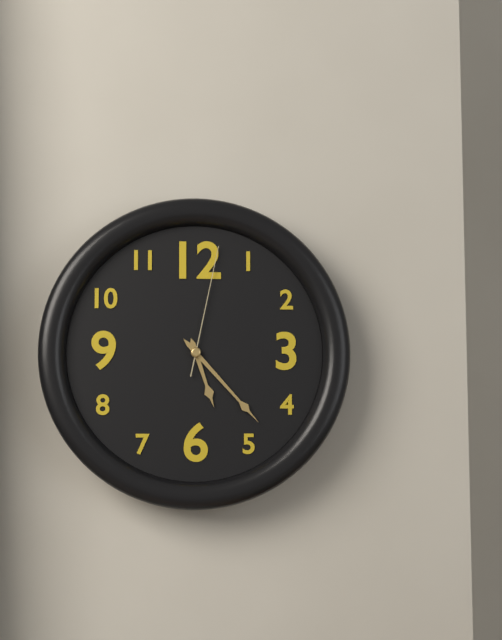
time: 5:23:02
